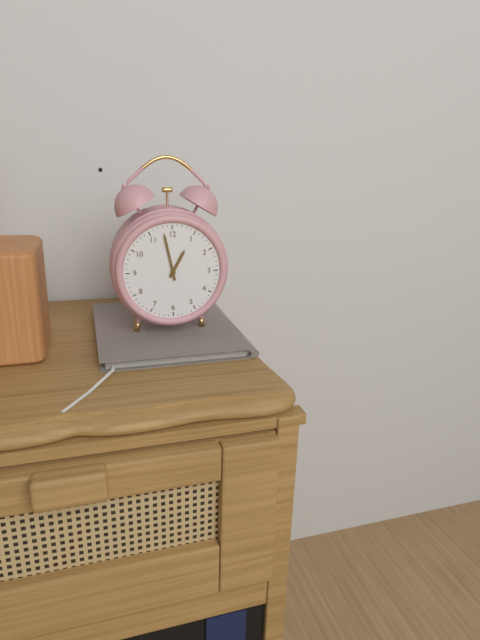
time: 12:58
